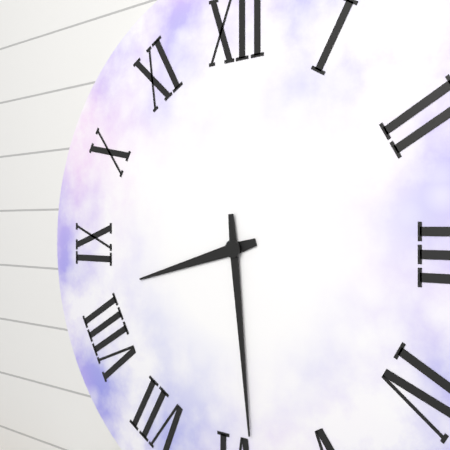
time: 8:29
